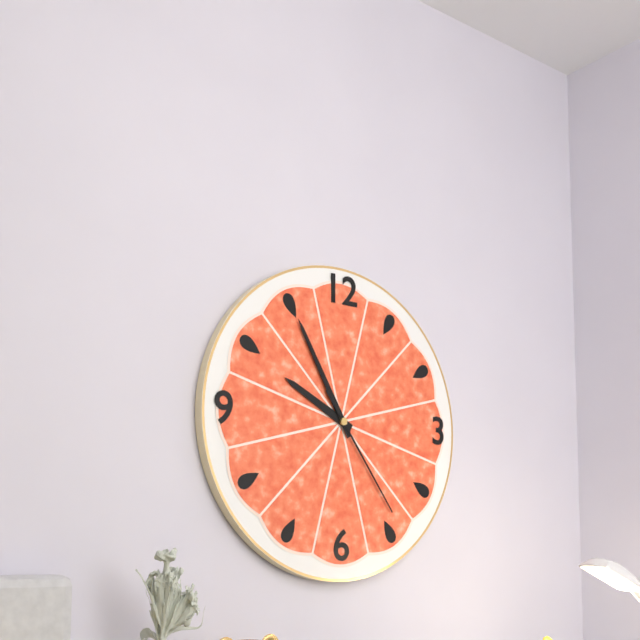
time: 9:55:24
